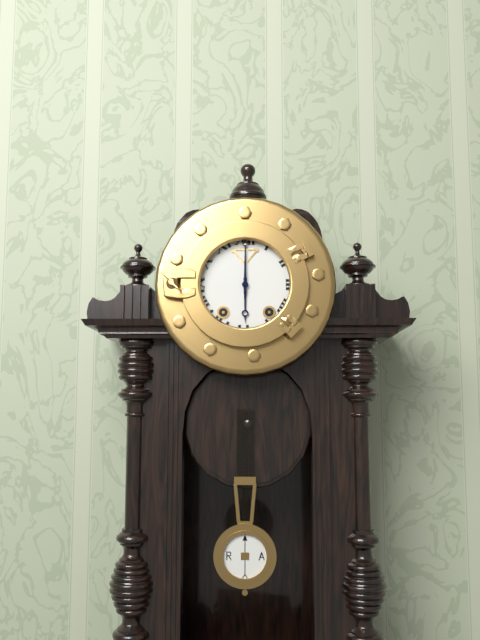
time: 6:00
